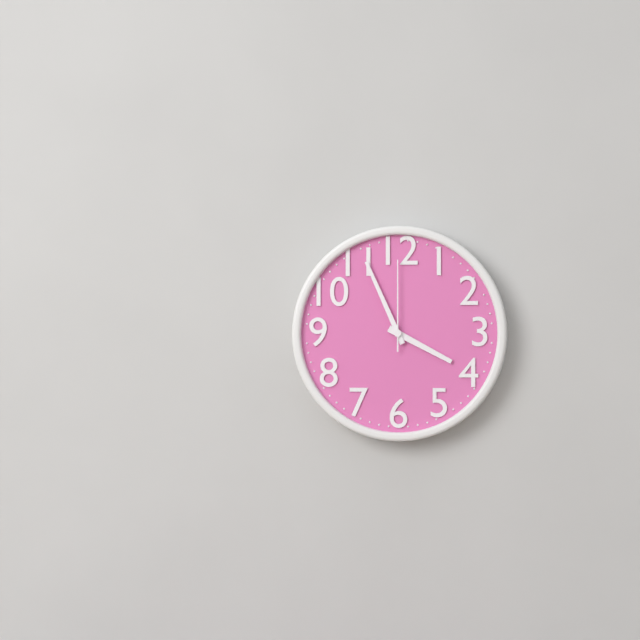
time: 3:56:00
